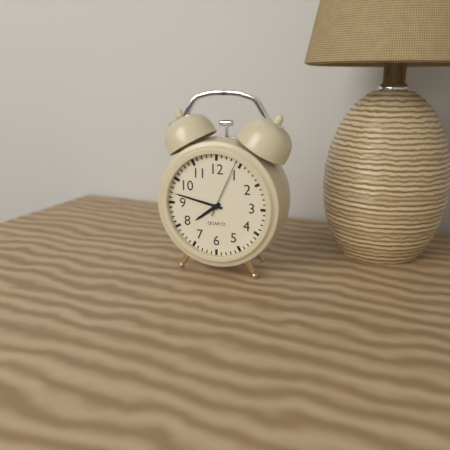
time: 7:47:04
